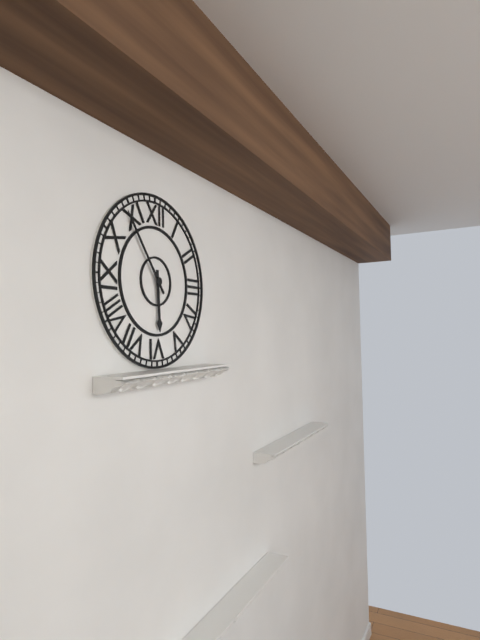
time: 5:54
